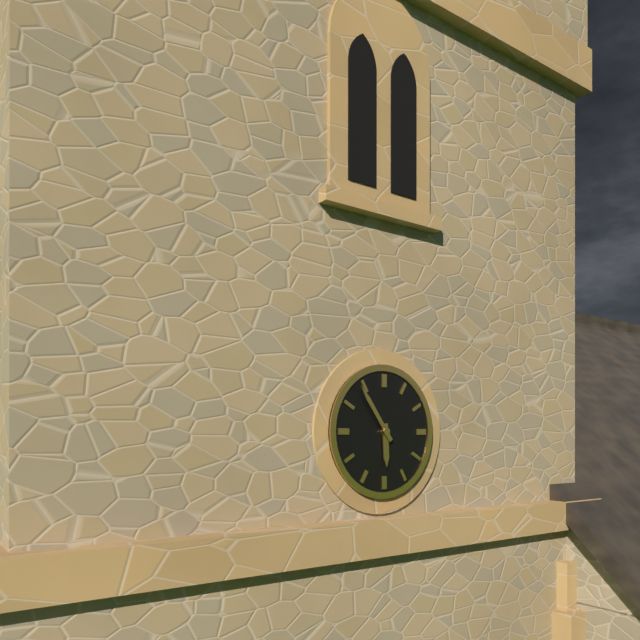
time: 5:54
